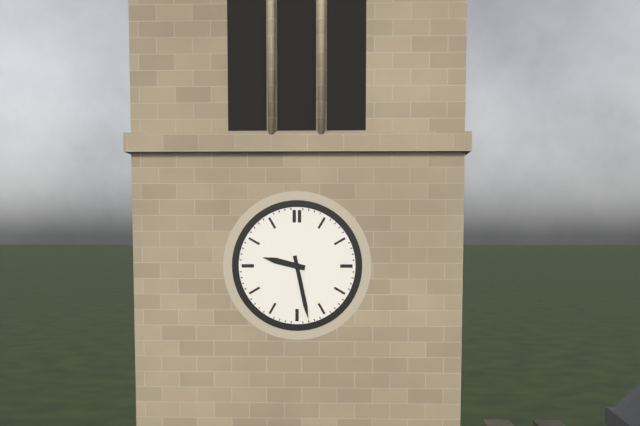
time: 9:28
